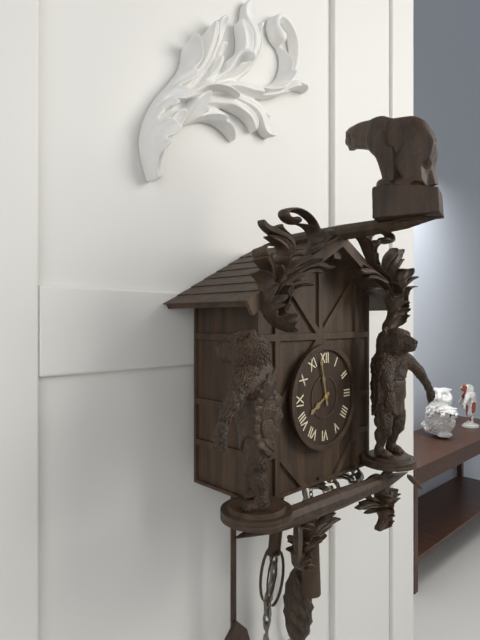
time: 7:58
